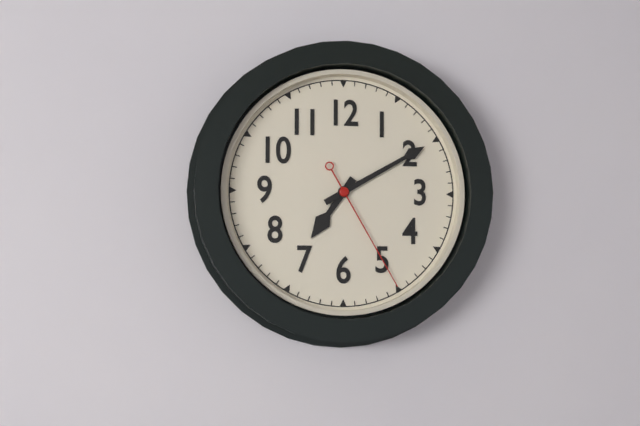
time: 7:10:25
